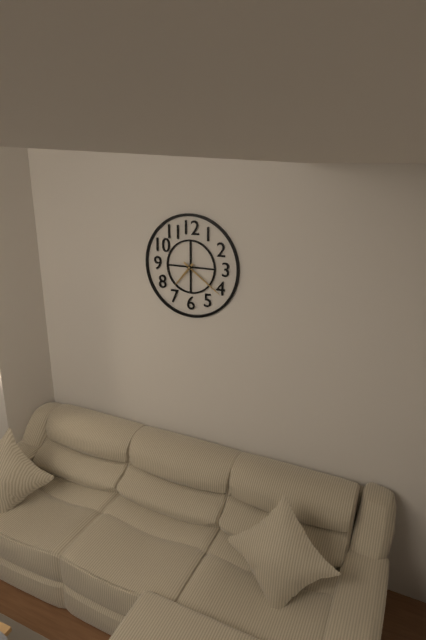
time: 7:21
